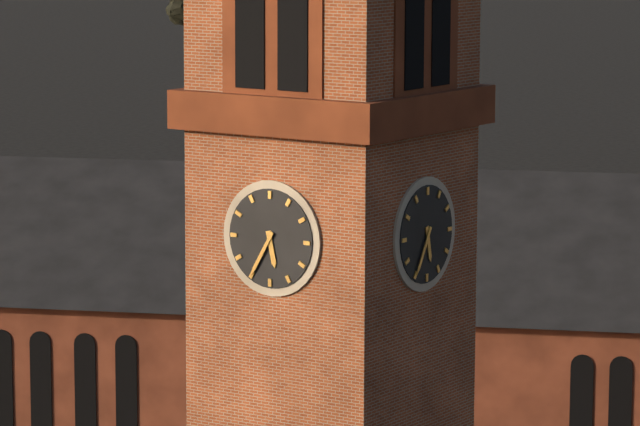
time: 5:35
